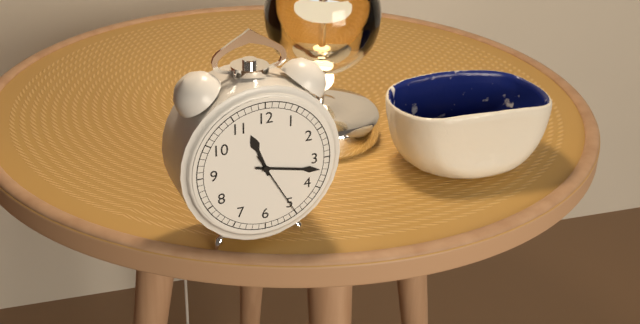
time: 11:17:25
